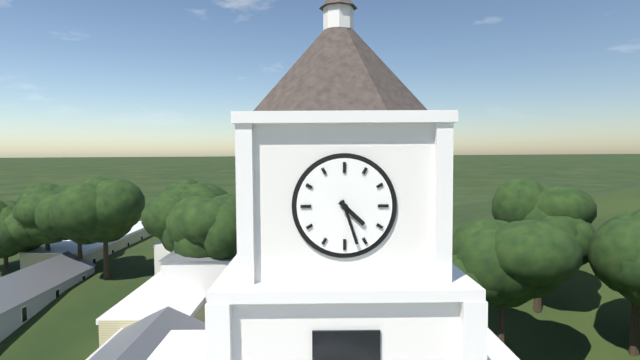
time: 4:27
